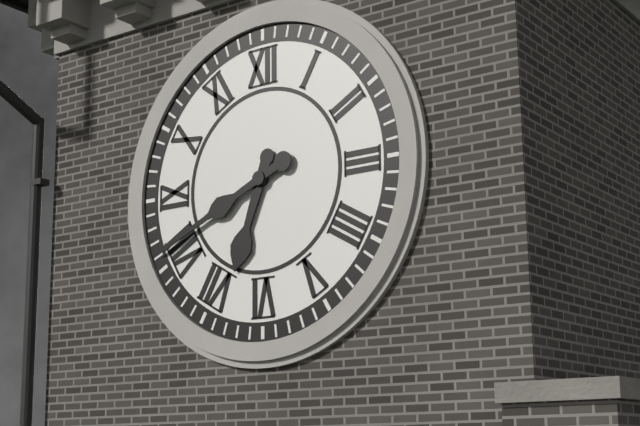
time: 6:41
